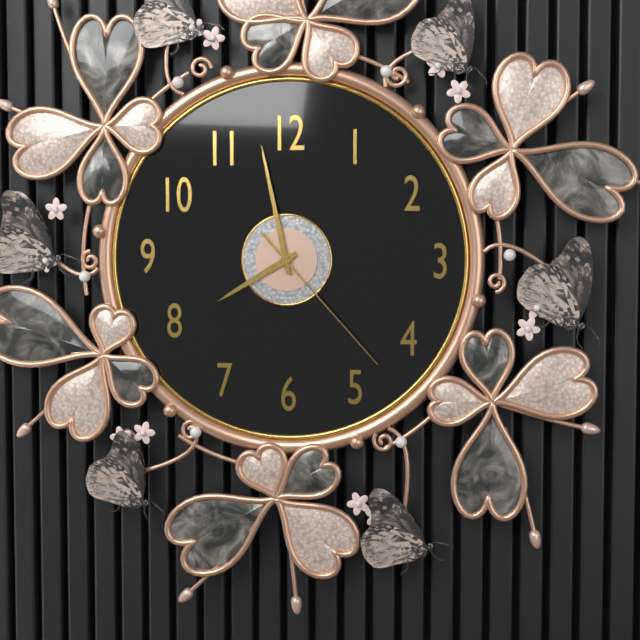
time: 7:58:23
